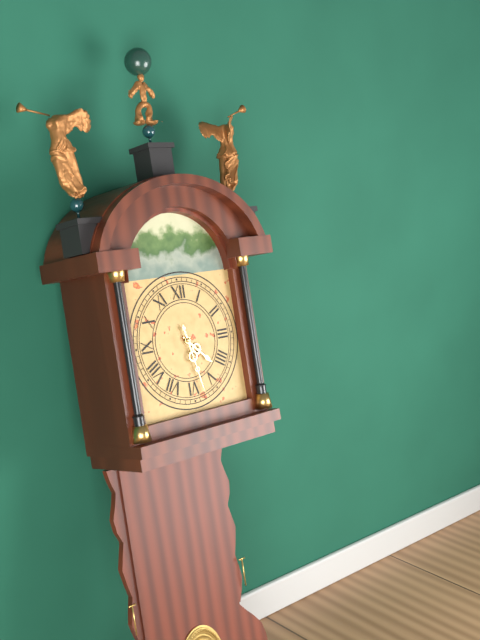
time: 4:28
